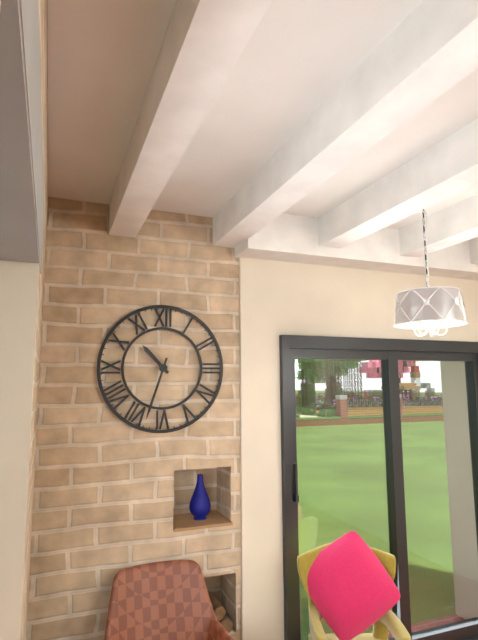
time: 10:33
